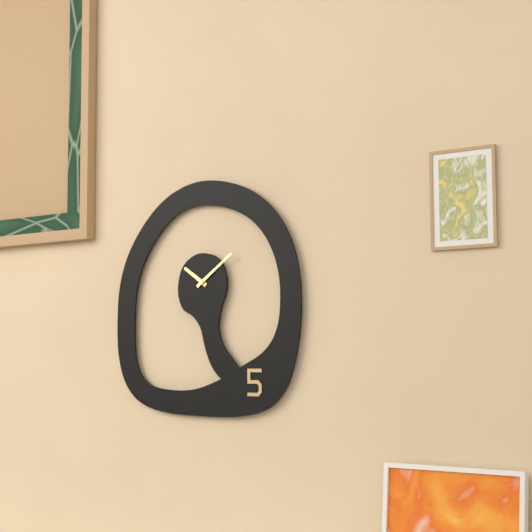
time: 10:09
